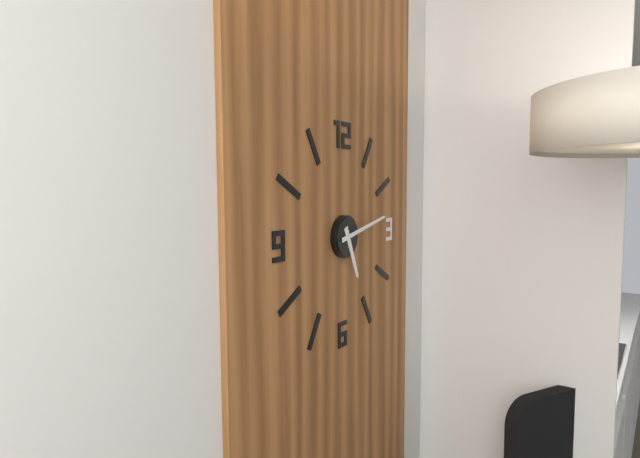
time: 5:13
